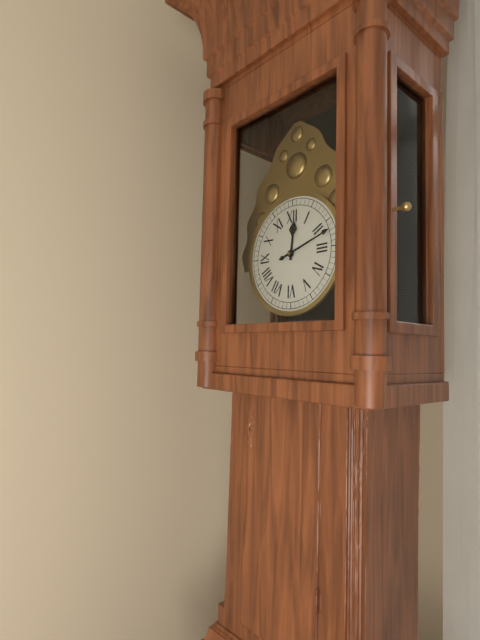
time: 12:12
